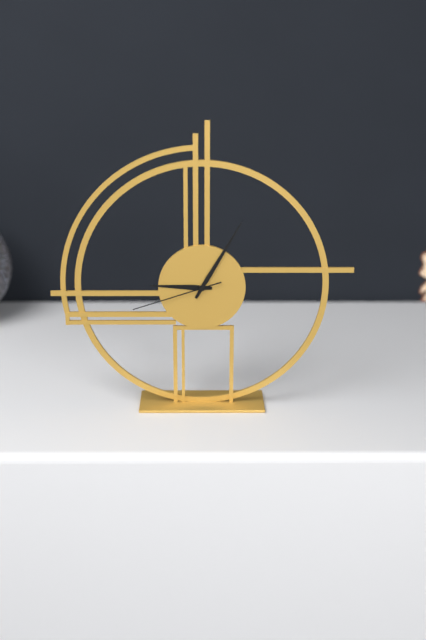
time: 9:05:42
